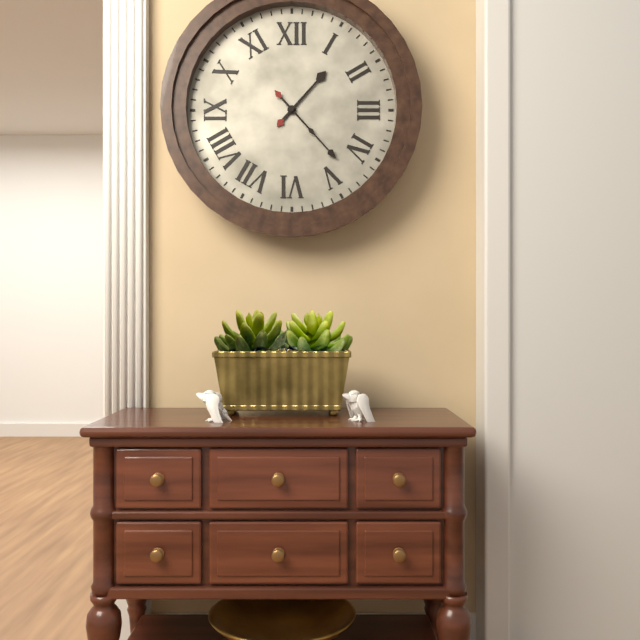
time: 1:23
